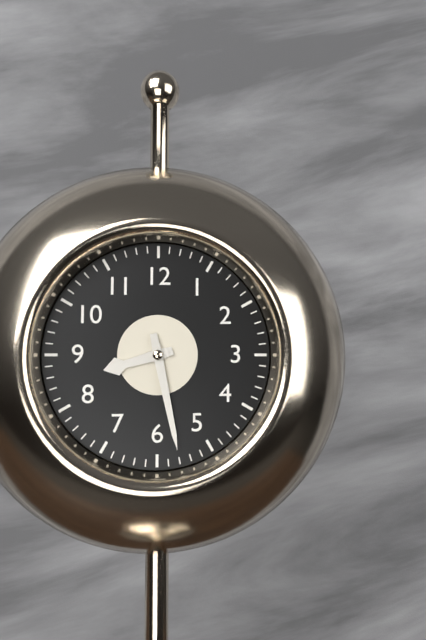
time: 8:28
